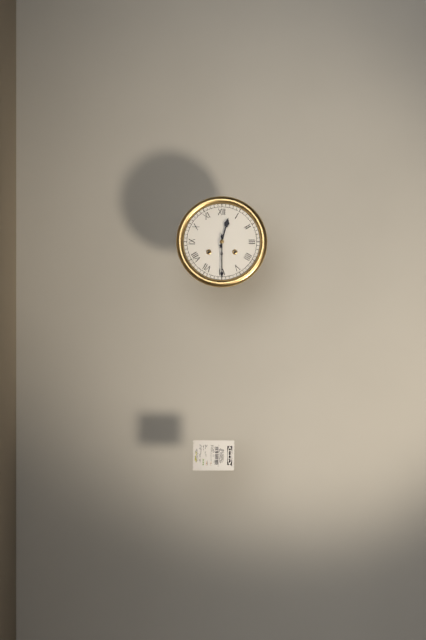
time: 12:30
